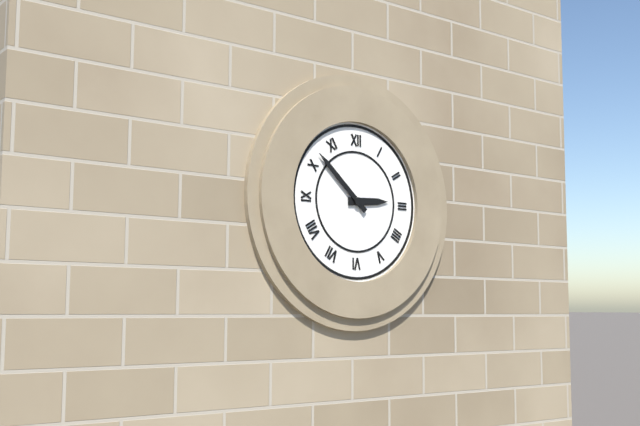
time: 2:52
